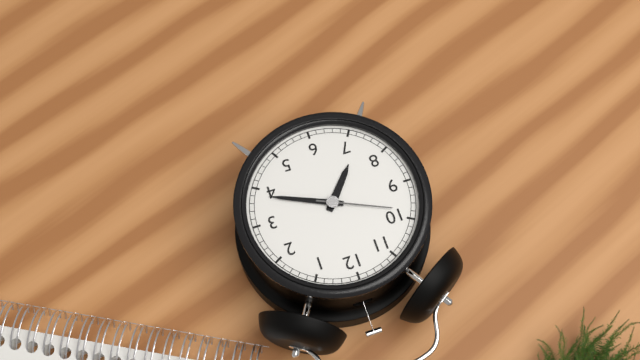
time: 7:19:49
